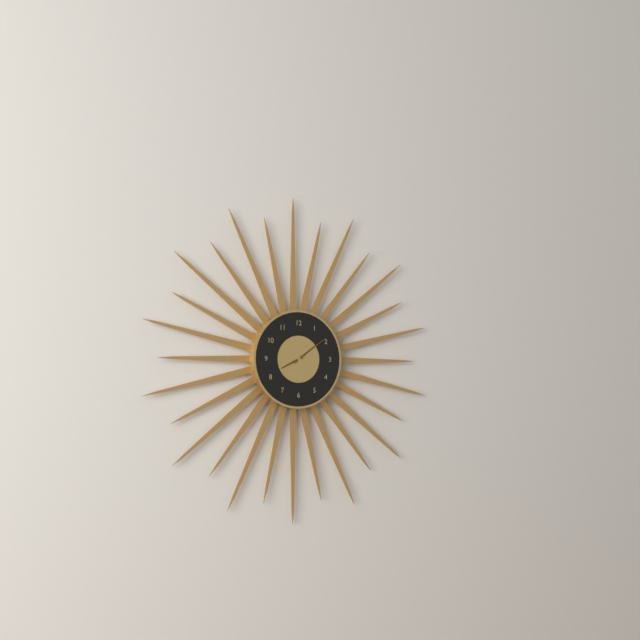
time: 8:09
